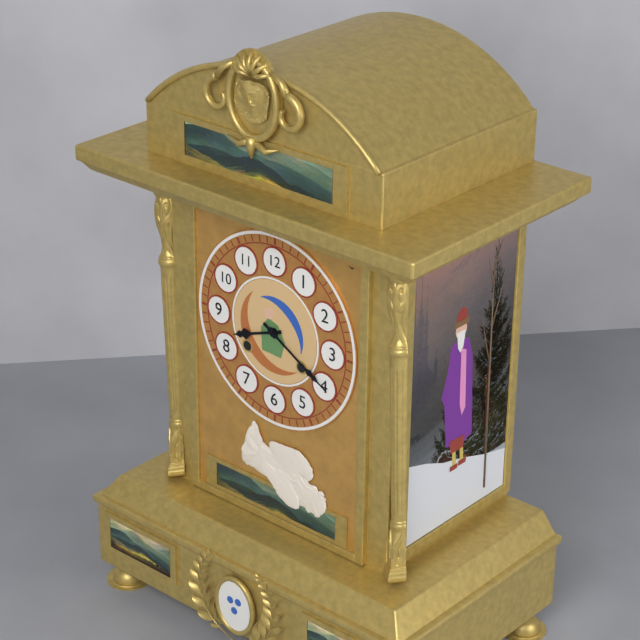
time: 8:20
